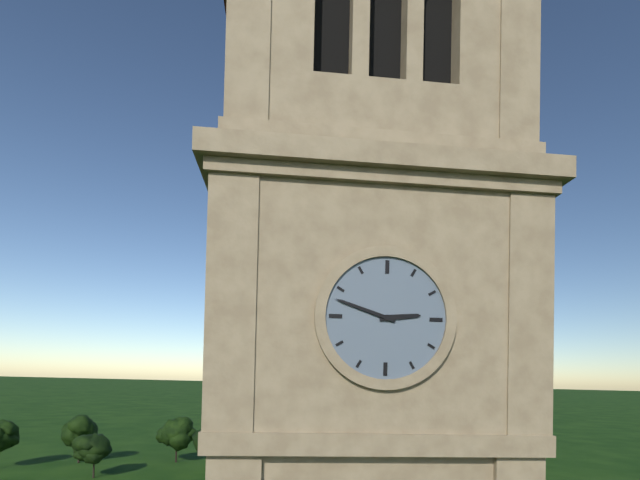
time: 2:48
